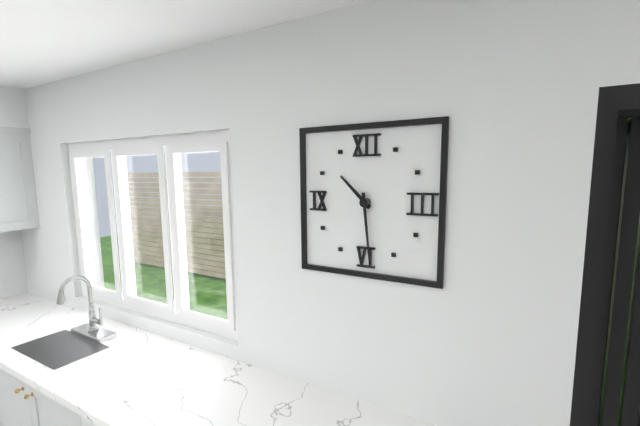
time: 10:29
